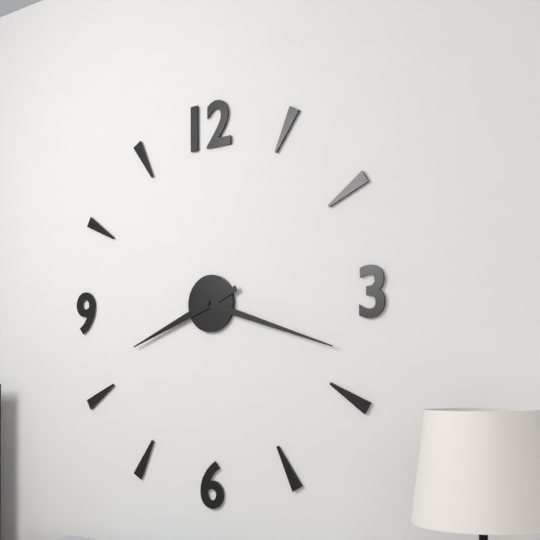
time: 8:18
